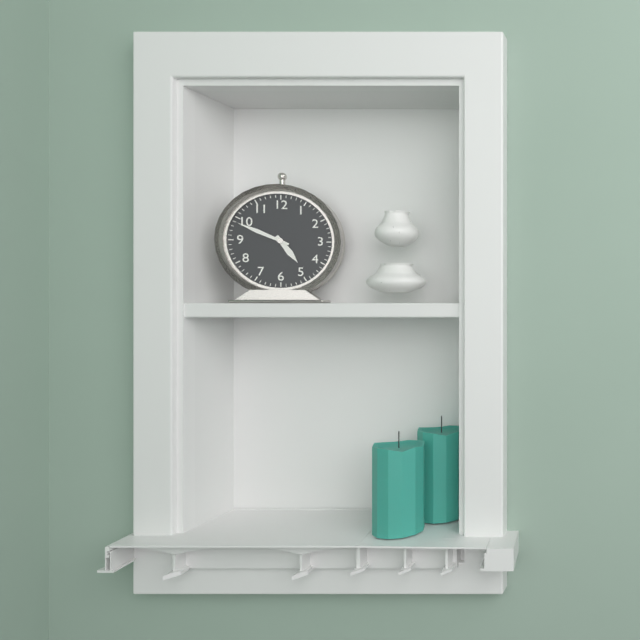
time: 4:49
